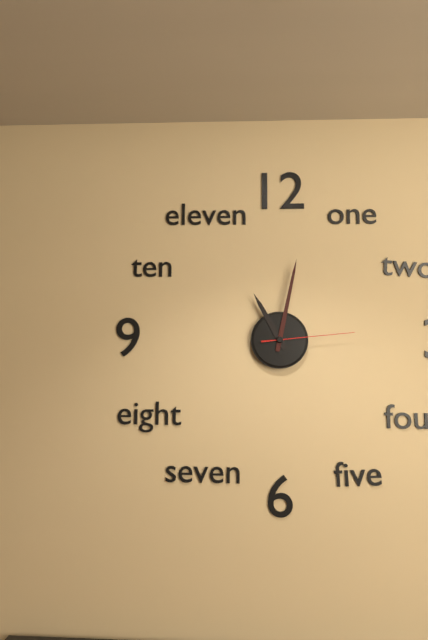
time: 11:02:14
